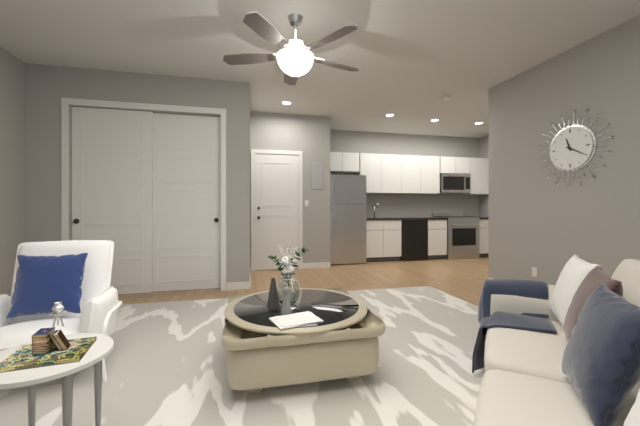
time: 11:20
